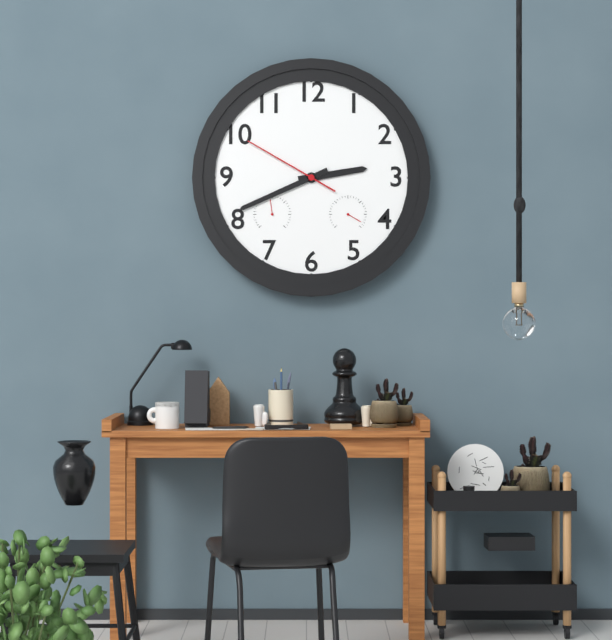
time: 2:41:50
